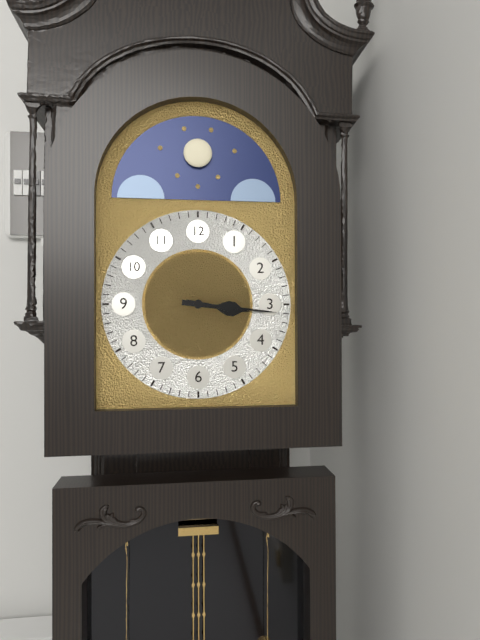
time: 3:16
